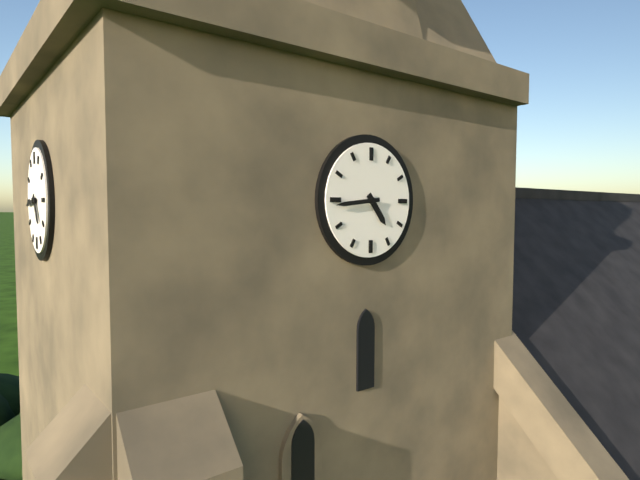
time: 4:44
